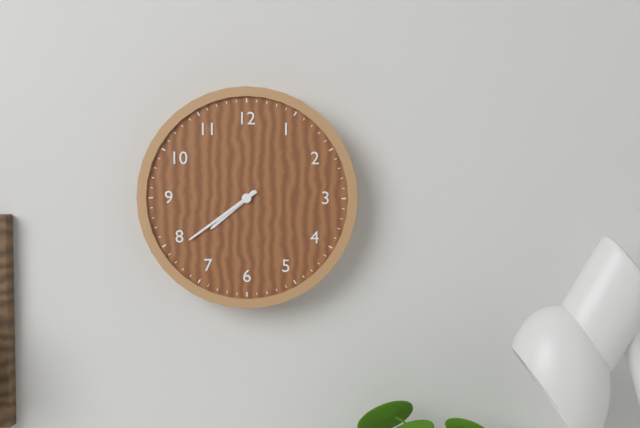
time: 7:39
